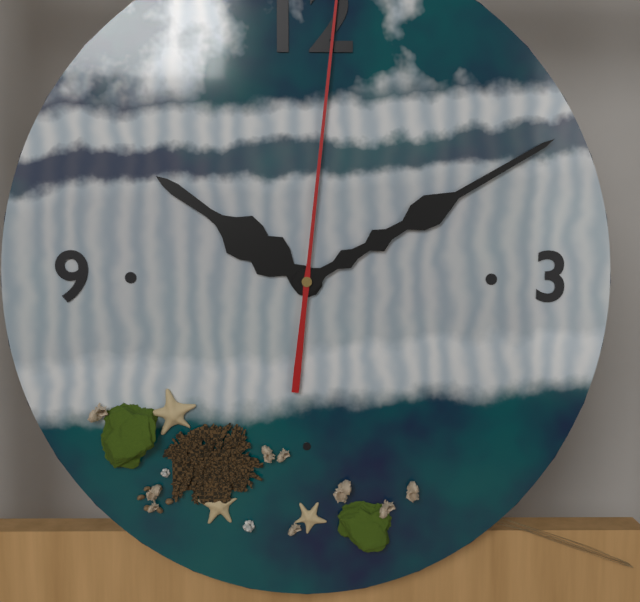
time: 10:10
